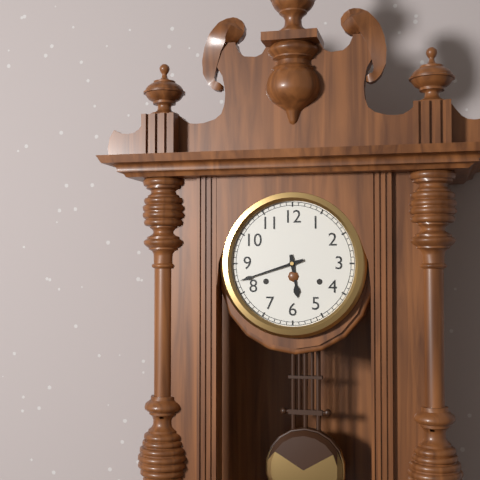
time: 5:42
